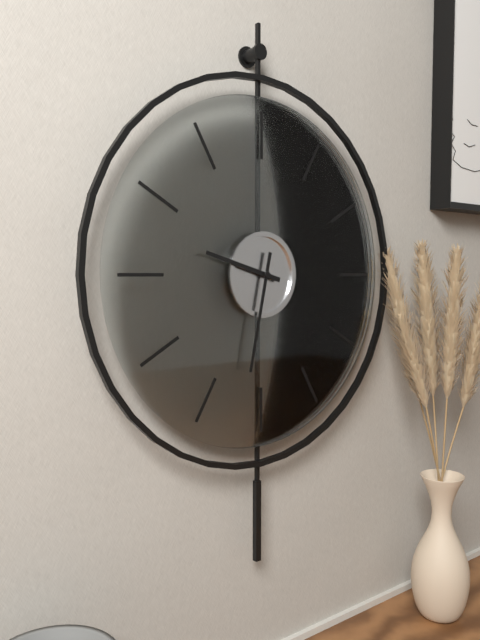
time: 9:32
